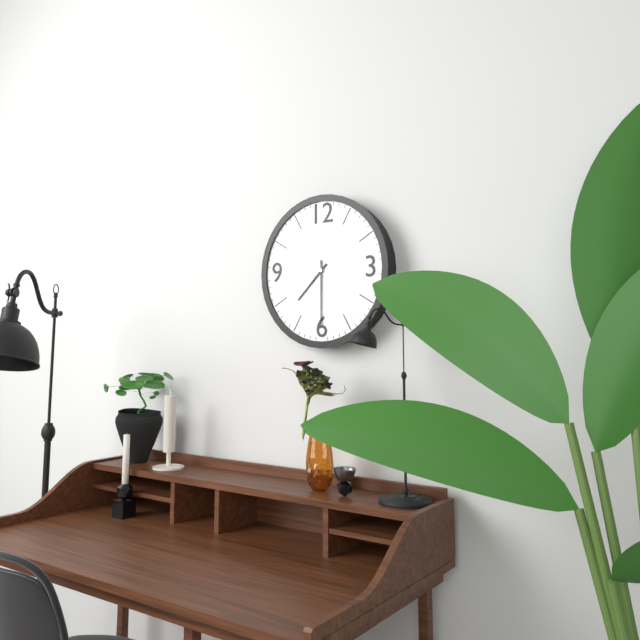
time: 7:30
